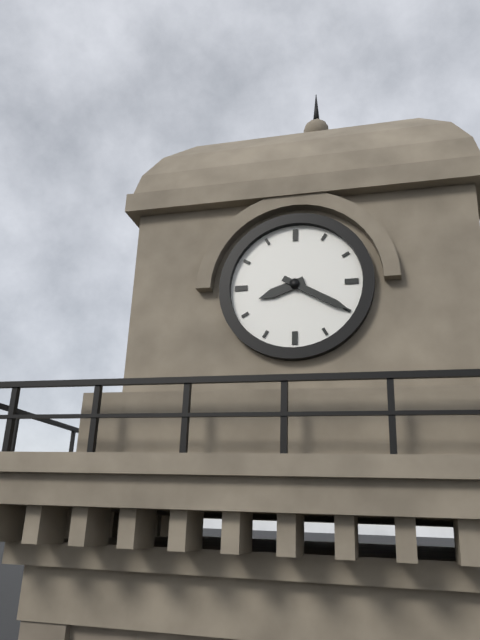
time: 8:20
